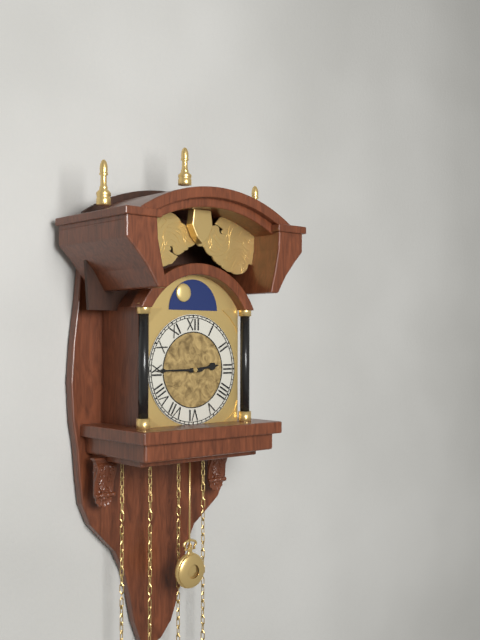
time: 2:45
